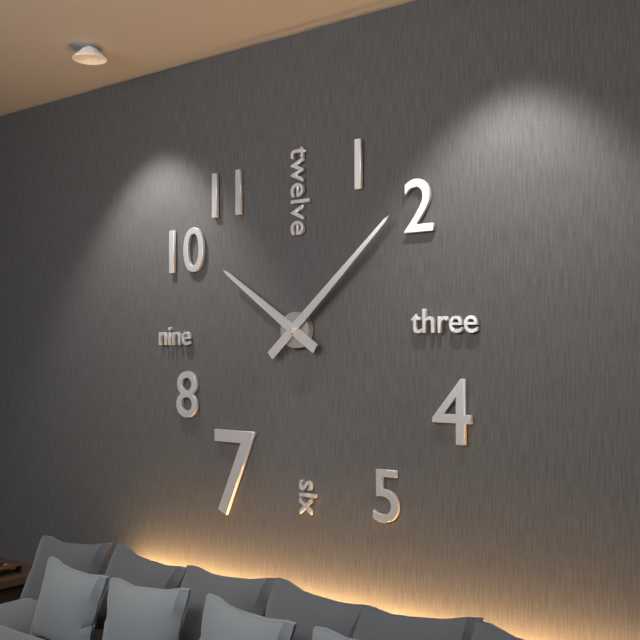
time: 10:08
